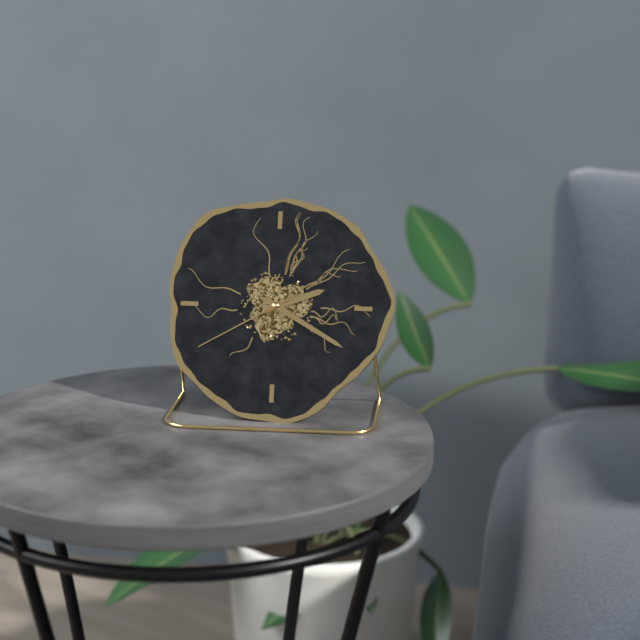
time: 2:20:40
